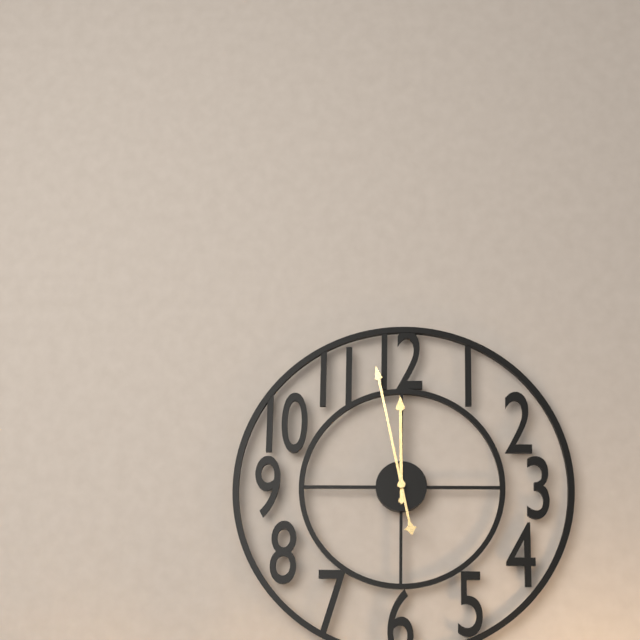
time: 11:58
